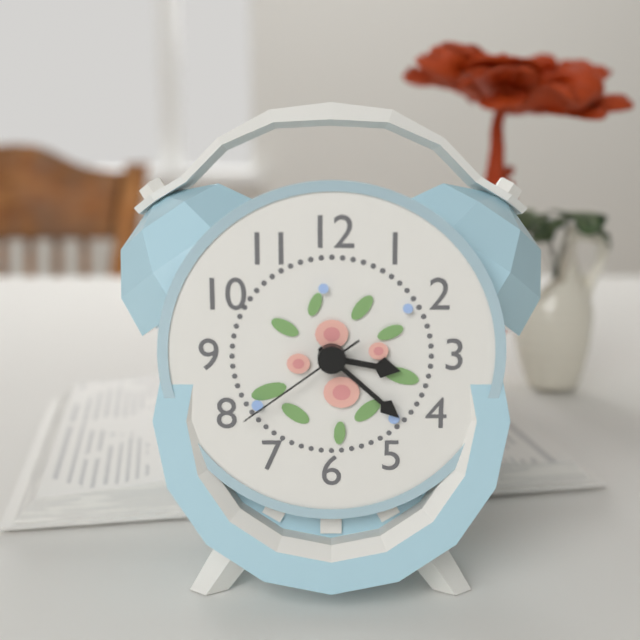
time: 3:22:39
